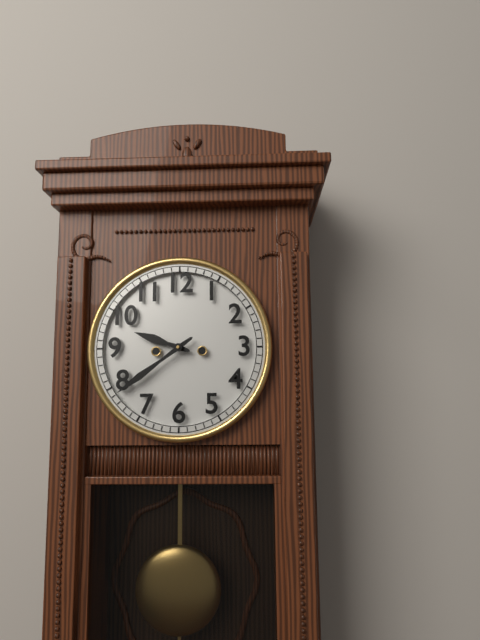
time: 9:39
